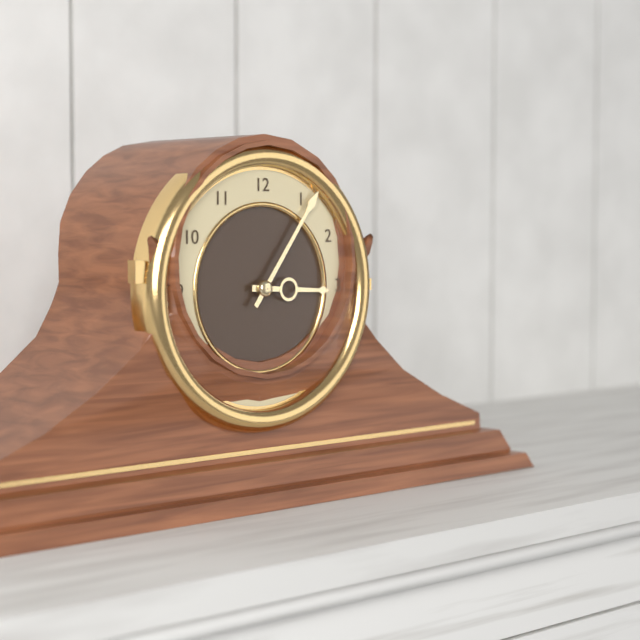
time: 3:06
